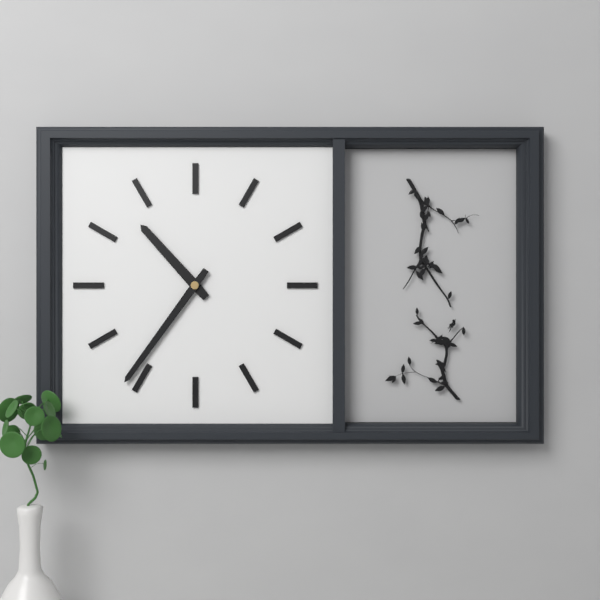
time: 10:36
